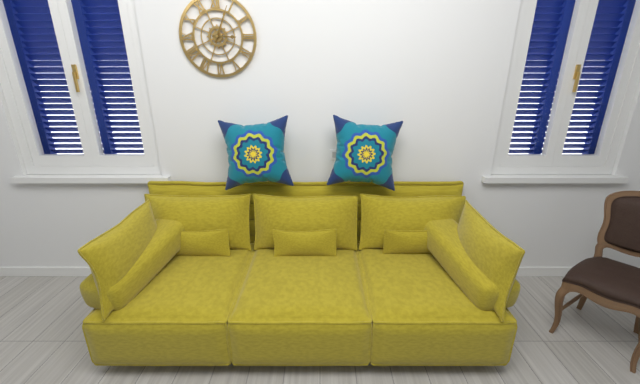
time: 3:04
